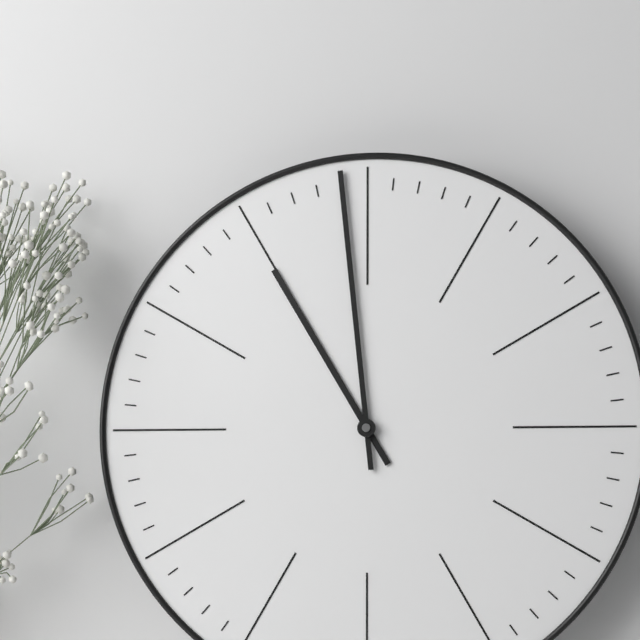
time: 10:59
